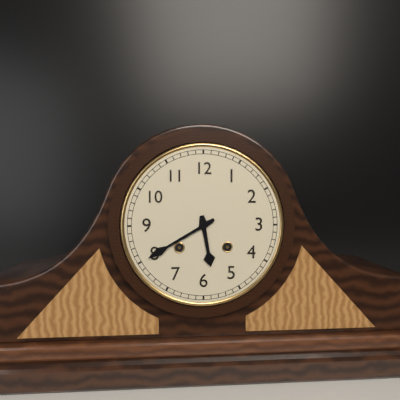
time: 5:40
